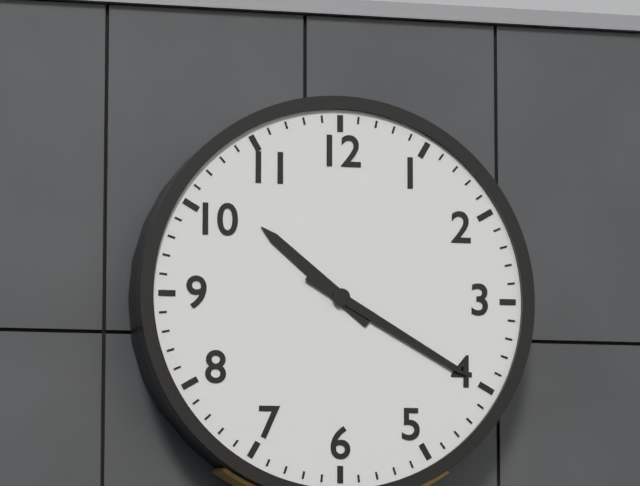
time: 10:20
